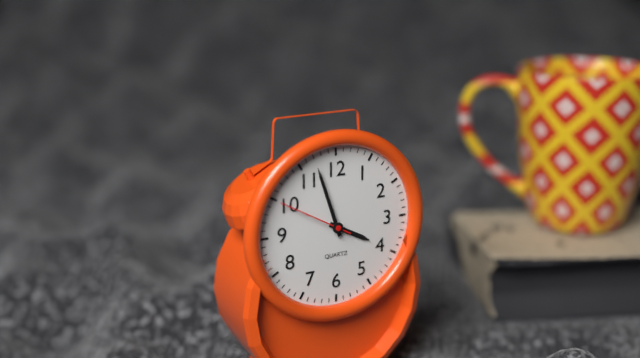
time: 3:57:50
